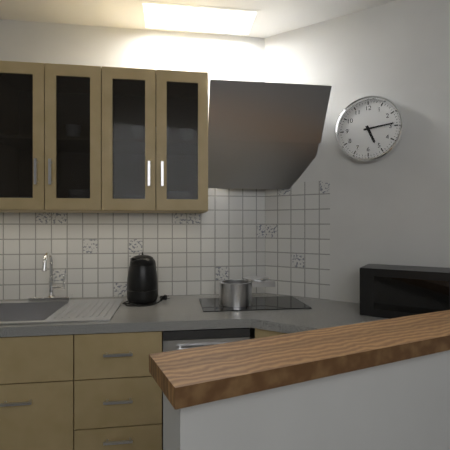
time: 5:14
